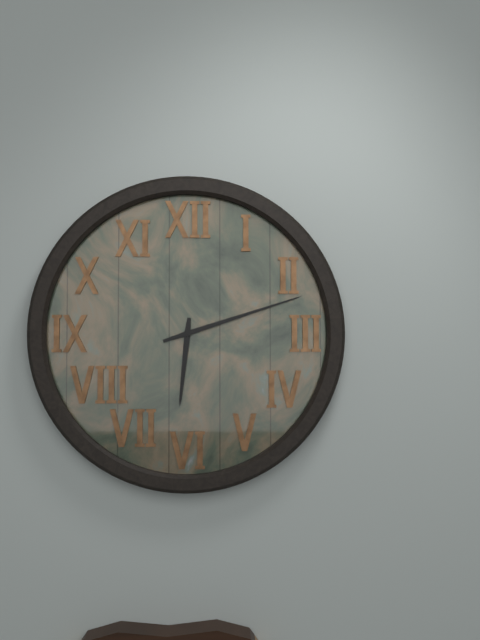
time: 6:12
